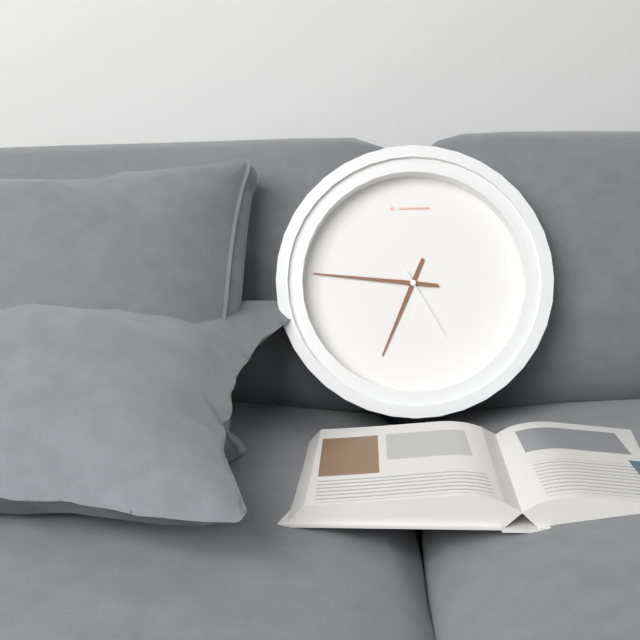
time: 6:46:25
